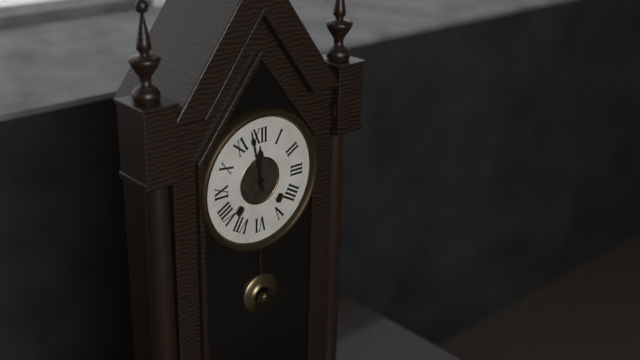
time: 11:58
